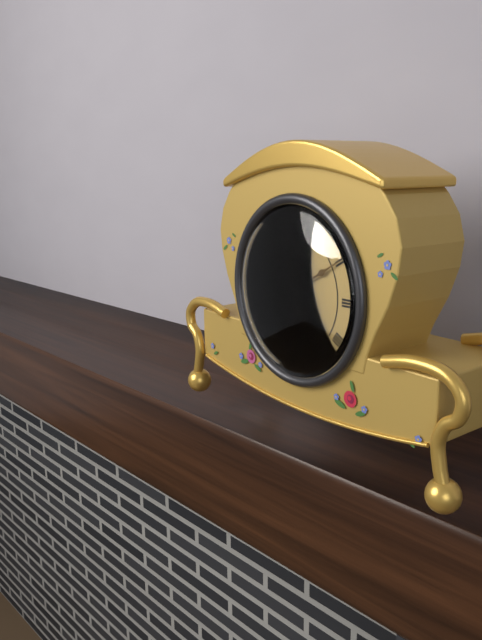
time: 10:10
